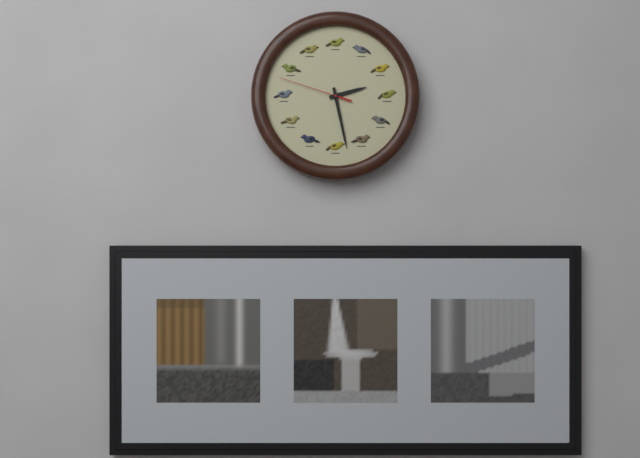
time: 2:28:48
